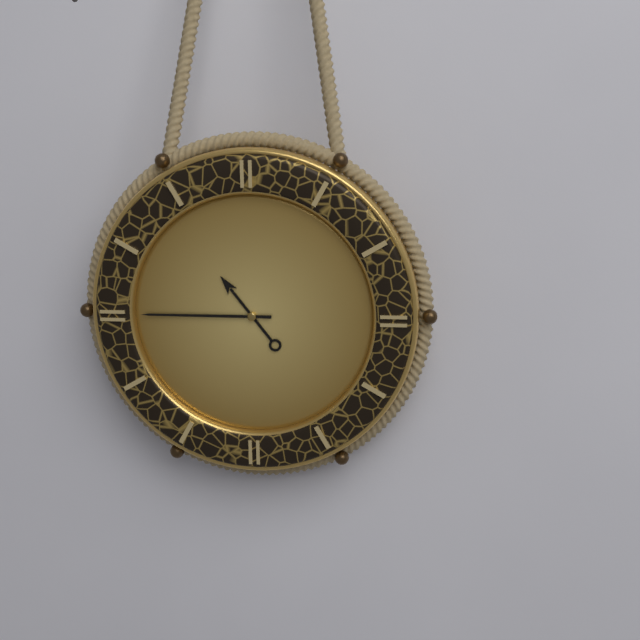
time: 10:45
